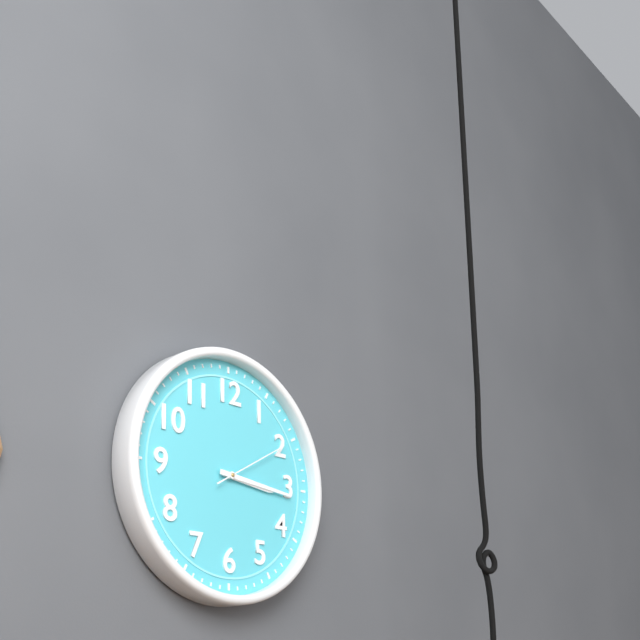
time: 3:16:10
